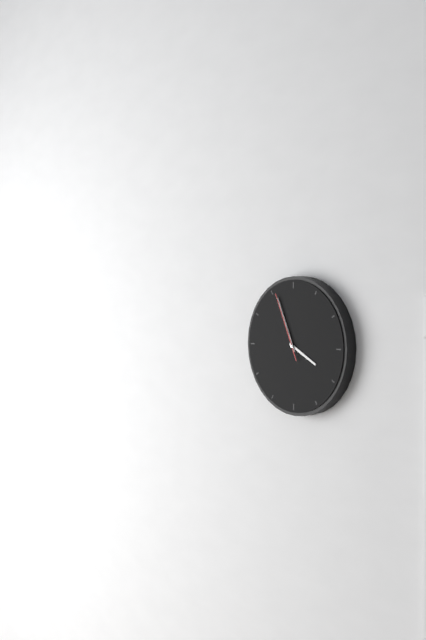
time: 3:56:56
